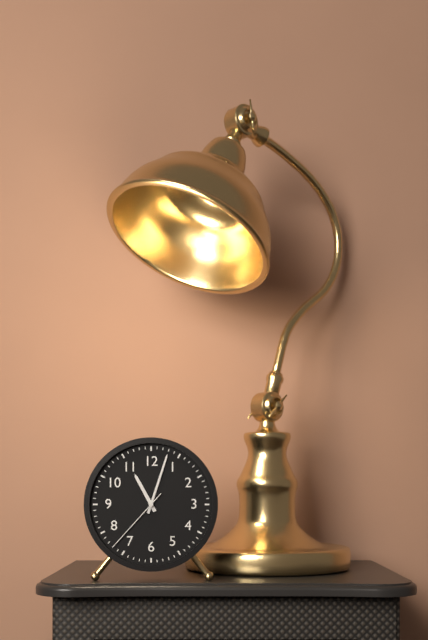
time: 11:03:37
